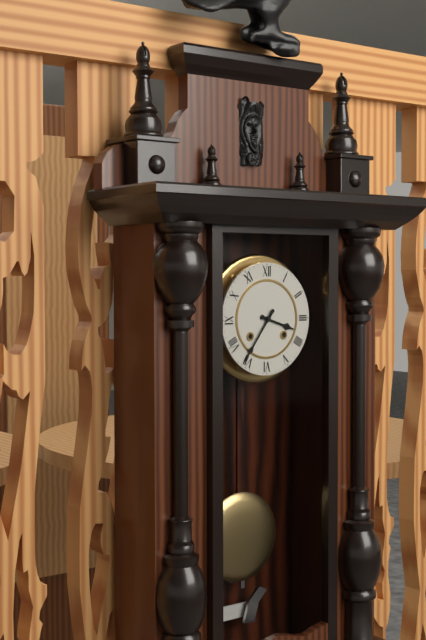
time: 3:36
